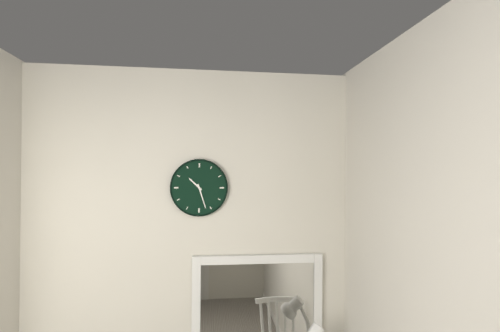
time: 10:27
